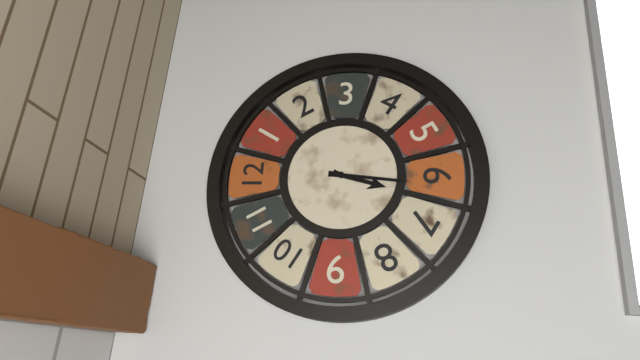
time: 6:31
